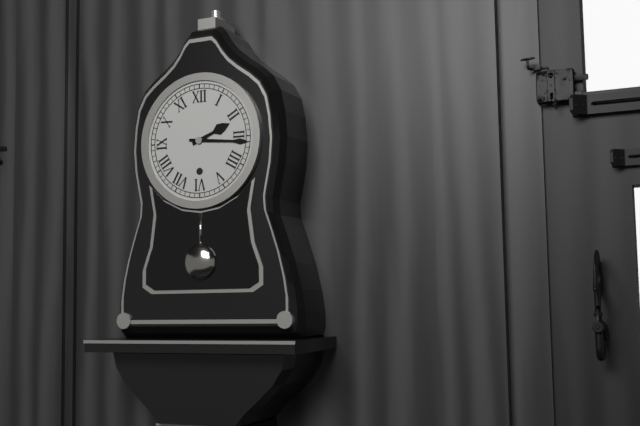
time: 2:16
